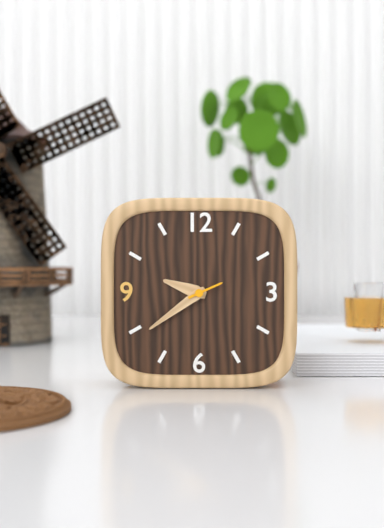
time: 9:39
